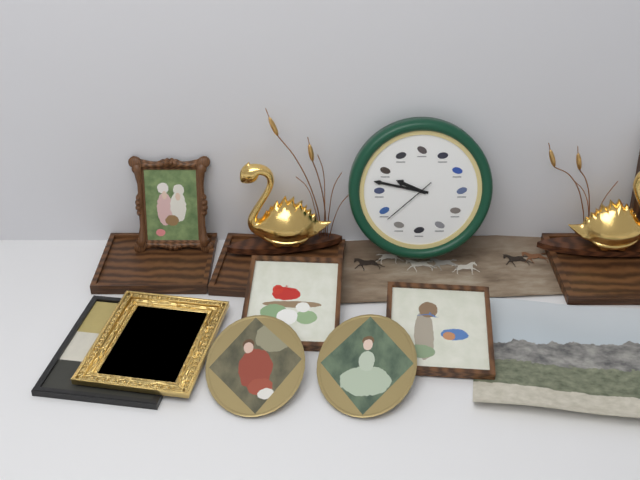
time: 9:47:38
